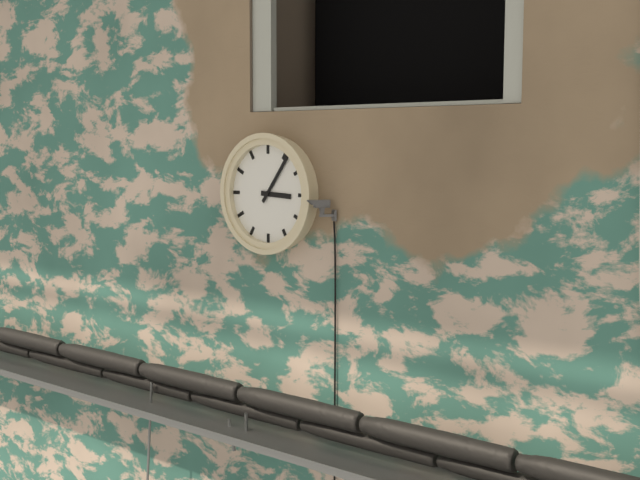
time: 3:06
